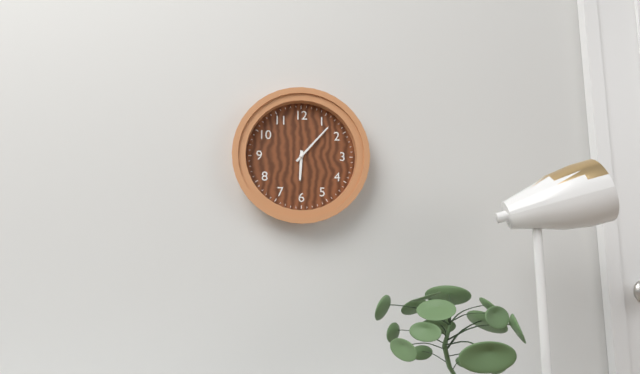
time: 6:07
